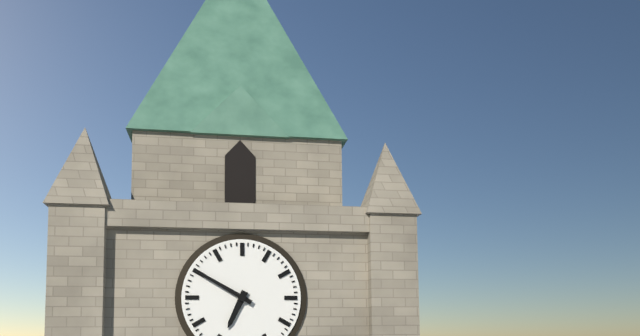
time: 6:50
